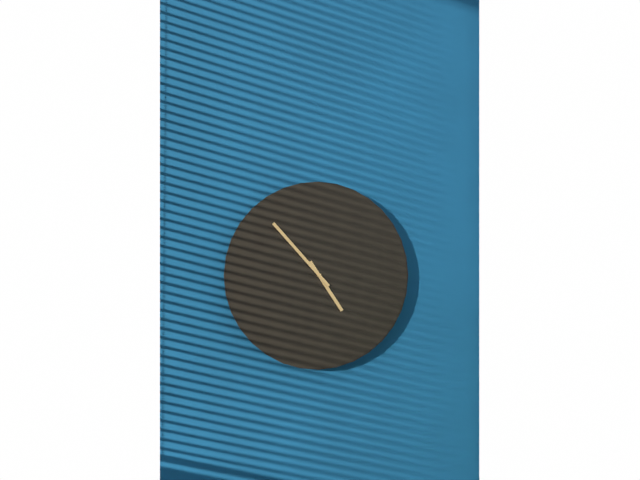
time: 4:53
